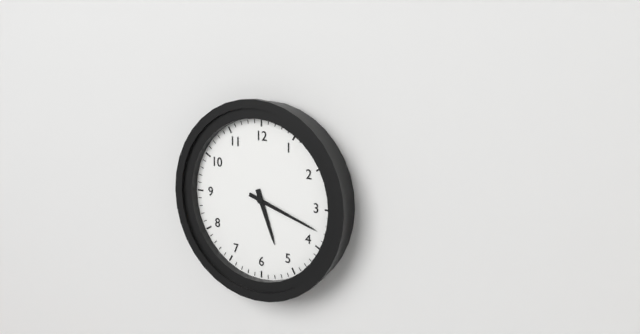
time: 5:18
